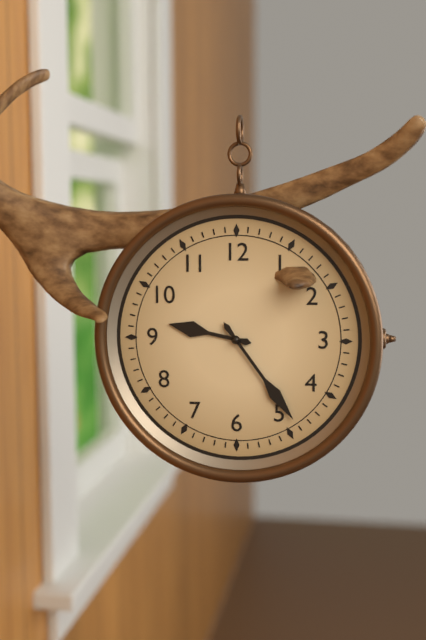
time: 9:24
